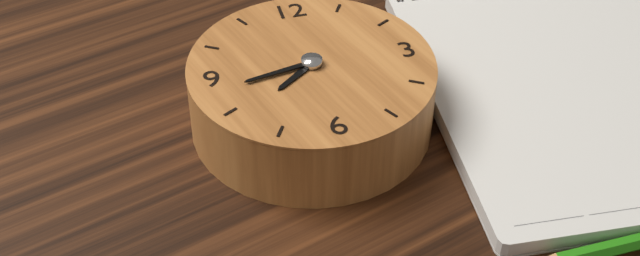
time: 7:43
